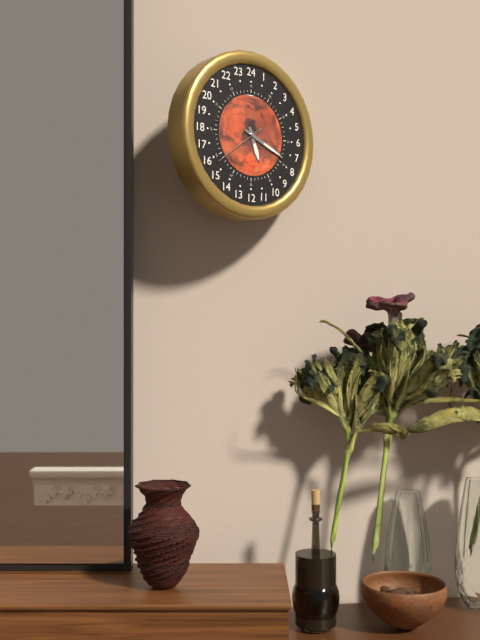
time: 5:19
